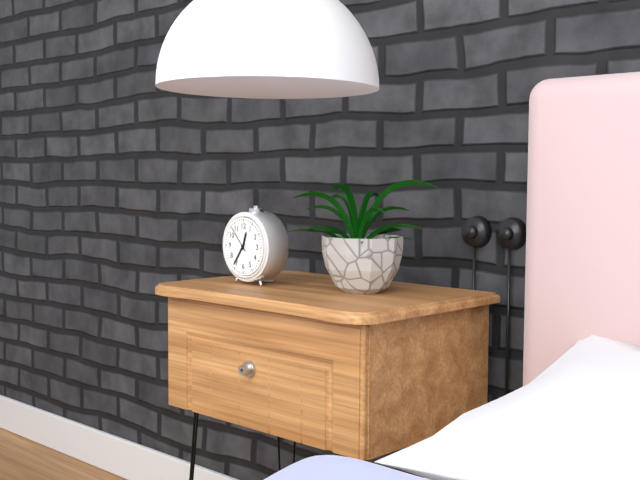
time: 12:36
